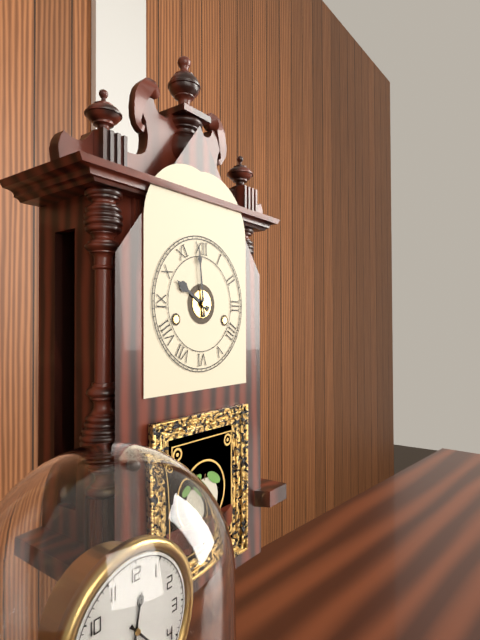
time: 9:59
